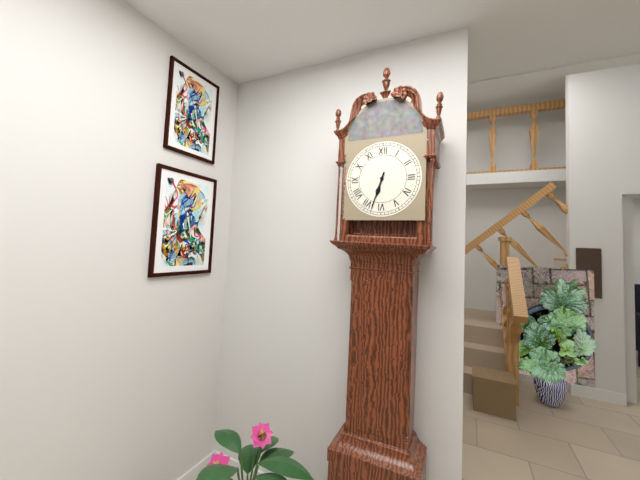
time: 6:33
